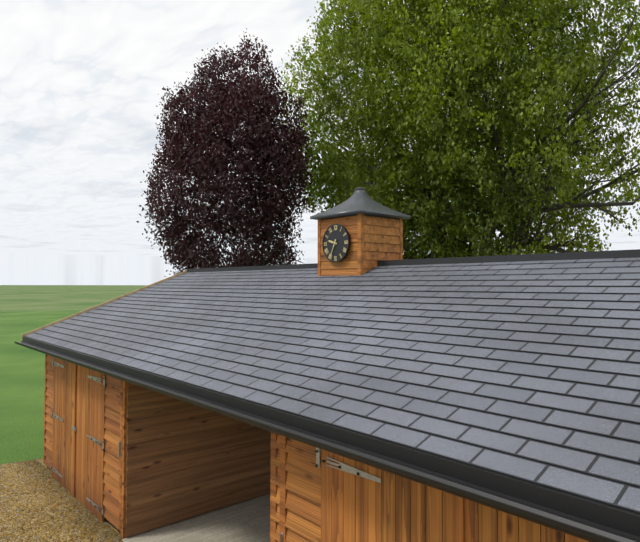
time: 9:34
